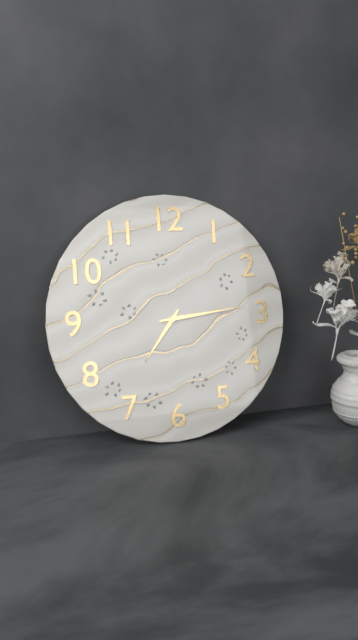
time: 7:14
